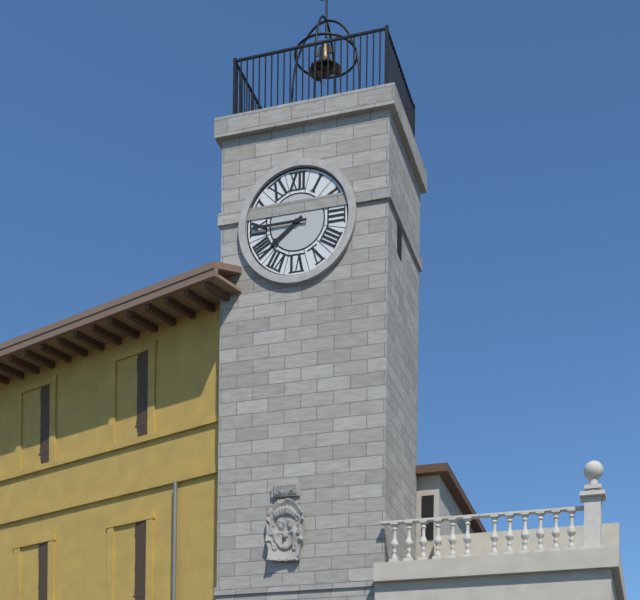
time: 7:45
